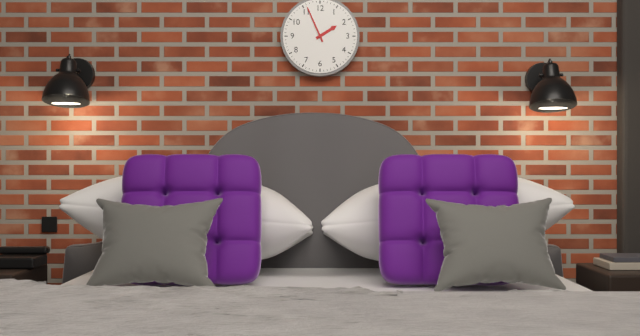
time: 1:56
